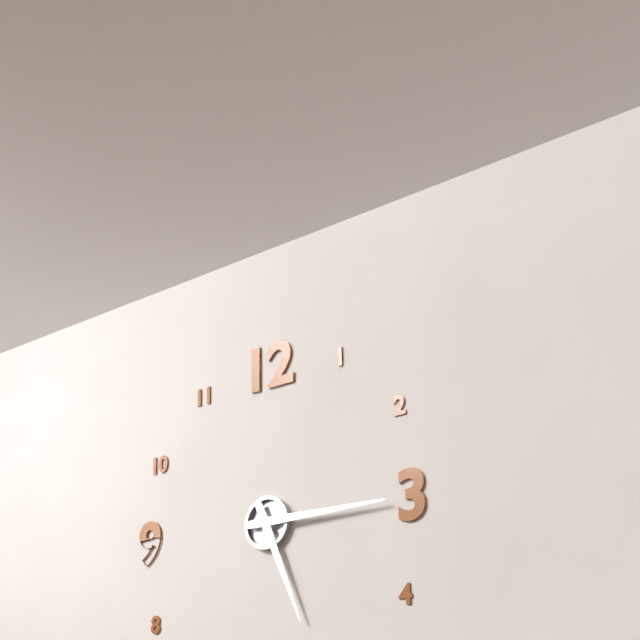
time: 5:15
